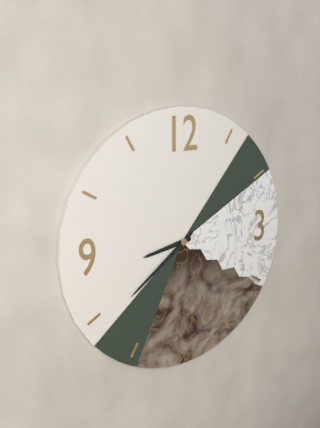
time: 8:39
